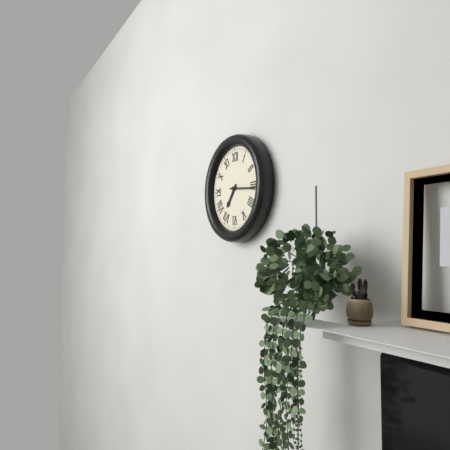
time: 7:16
